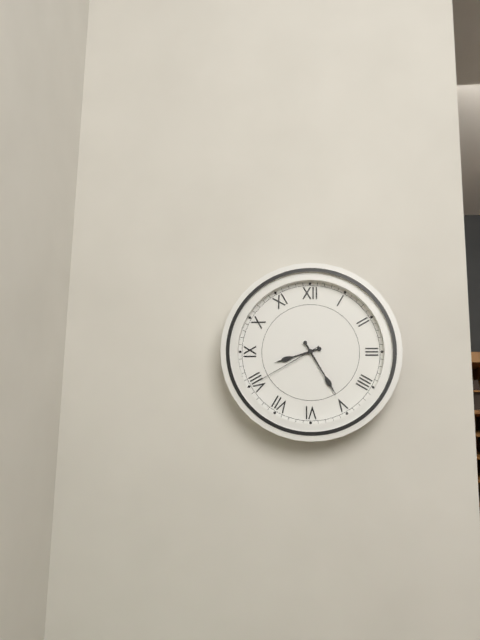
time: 8:25:40
